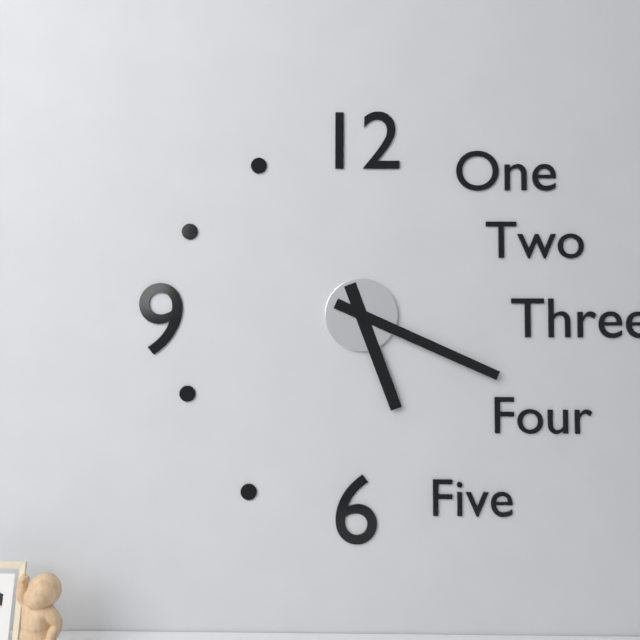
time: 5:19
